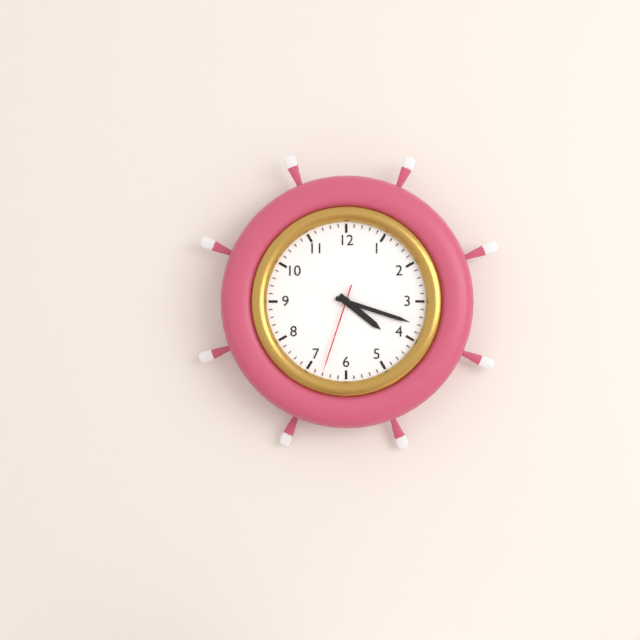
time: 4:18:33
